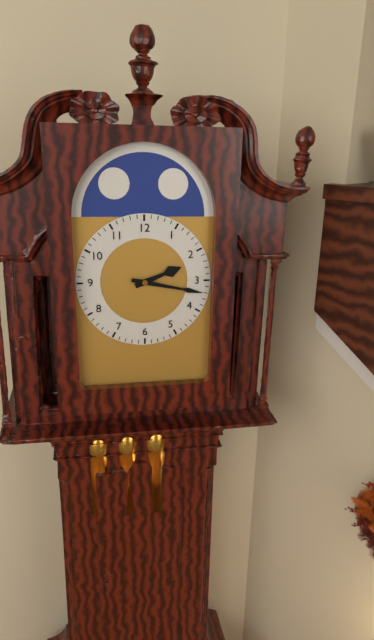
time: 2:17
